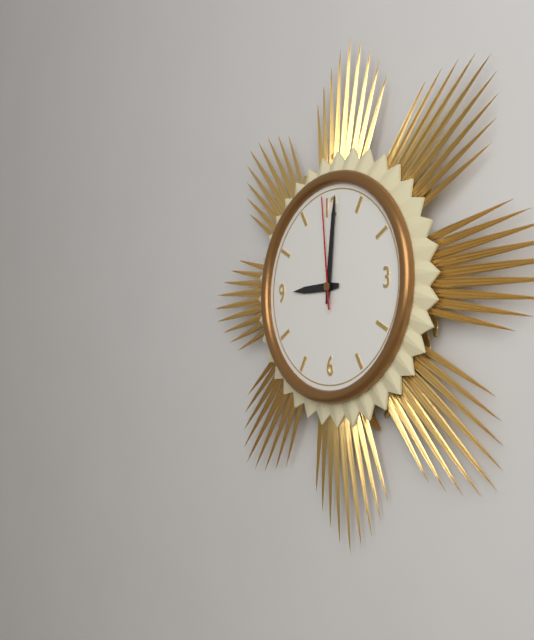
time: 9:01:59
